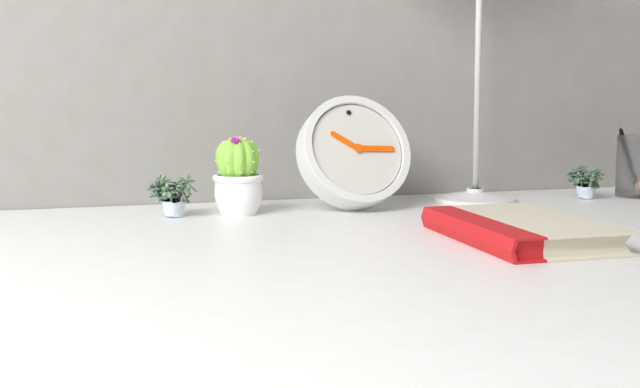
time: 10:16
